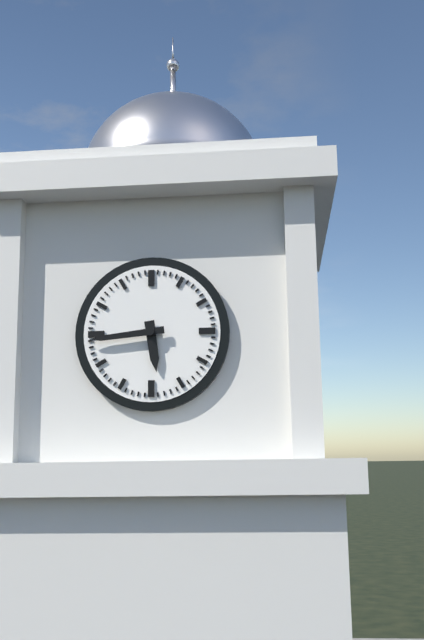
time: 5:44
